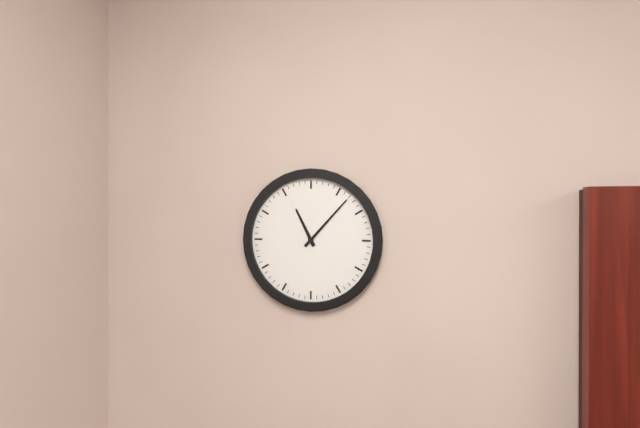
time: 11:07
